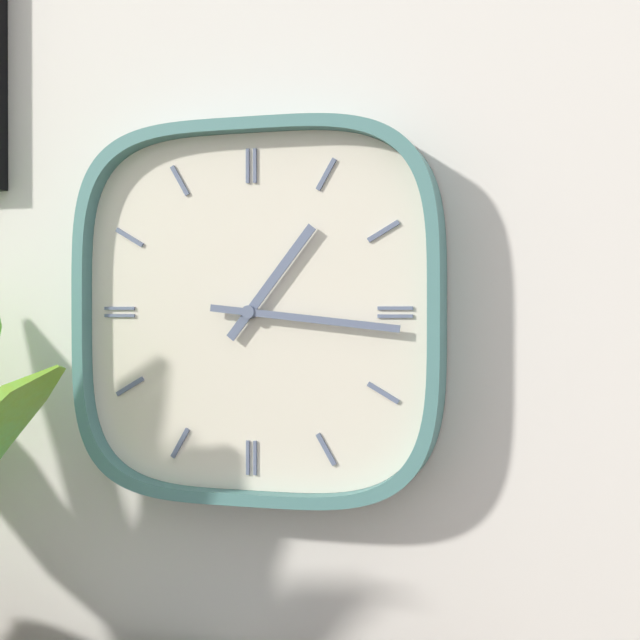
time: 1:16
